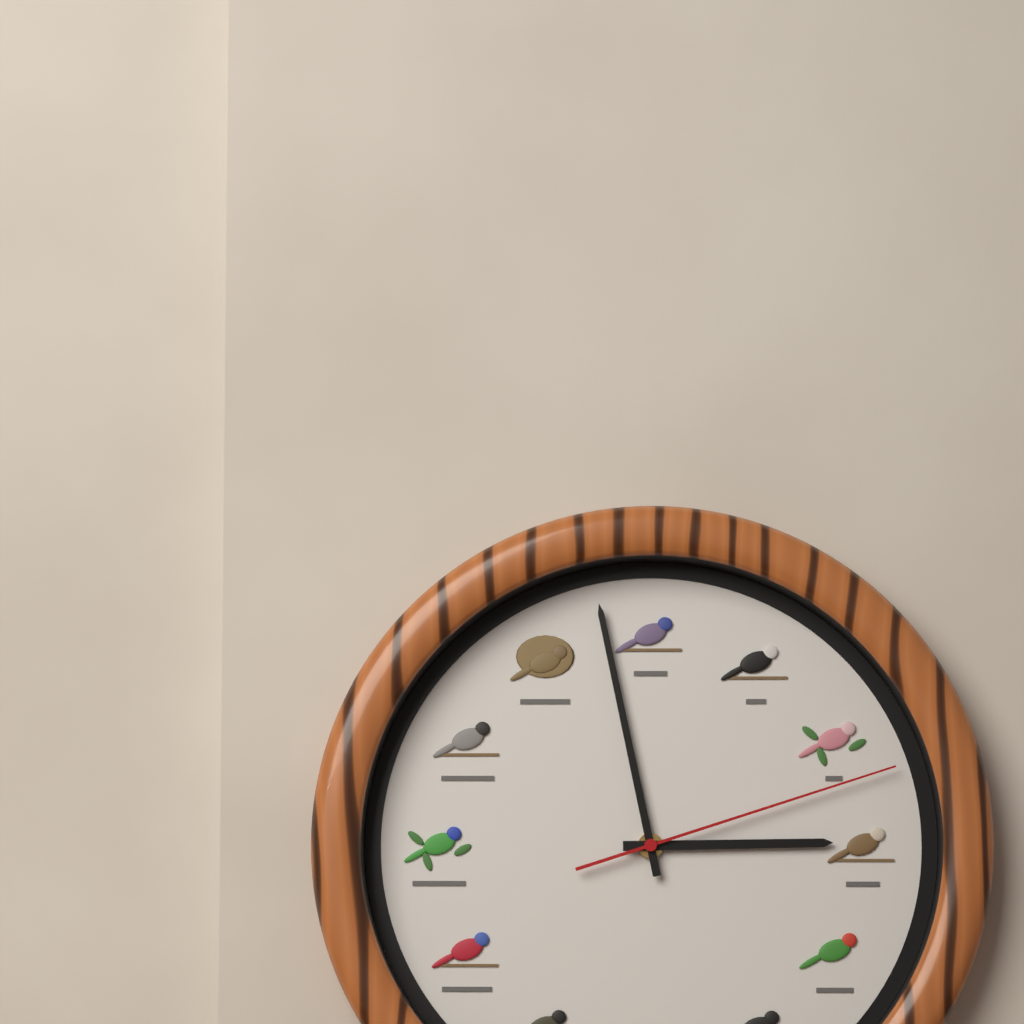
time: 2:58:12
